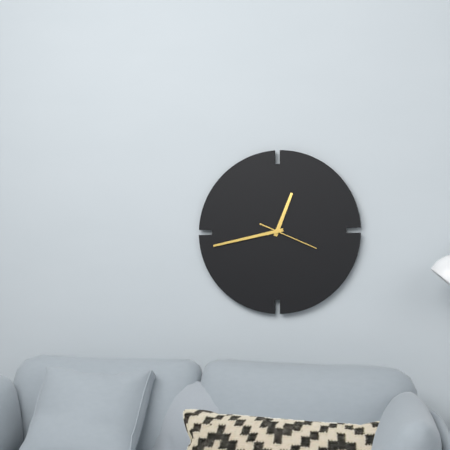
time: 12:43:19
